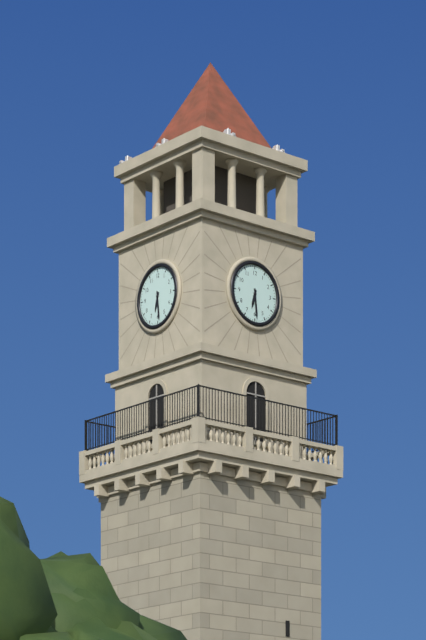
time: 6:29
